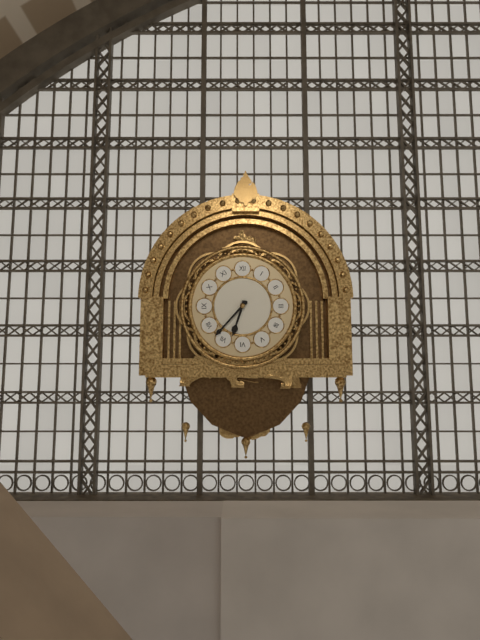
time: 6:37
